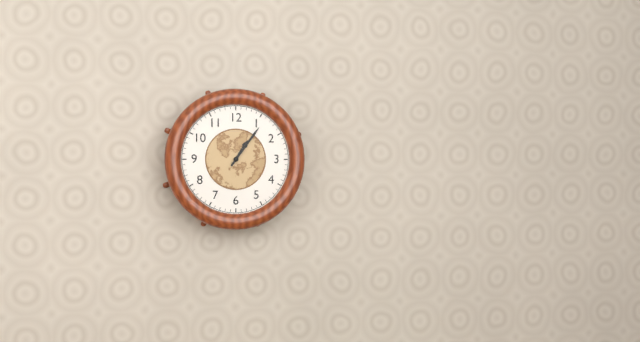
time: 1:06
